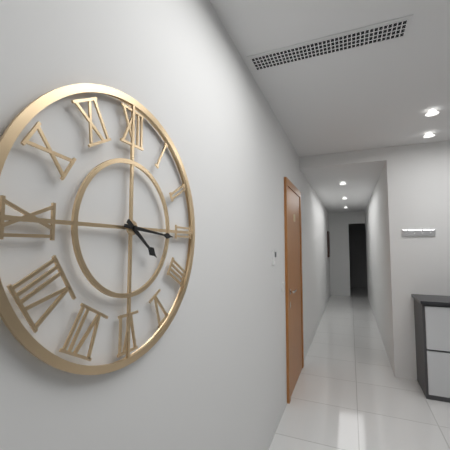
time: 4:16
